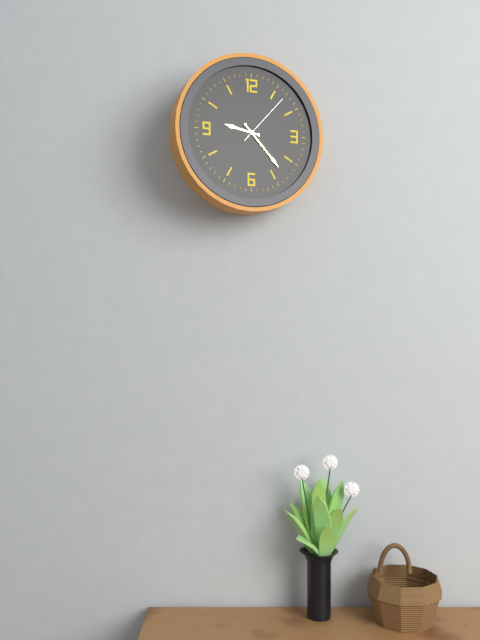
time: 9:23:07
